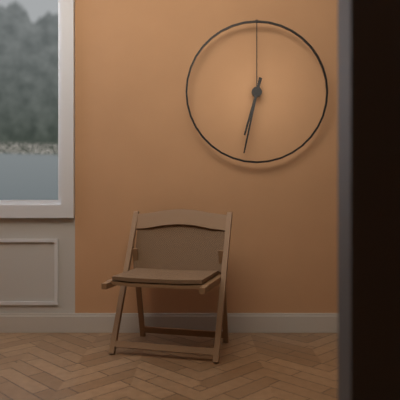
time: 6:32
